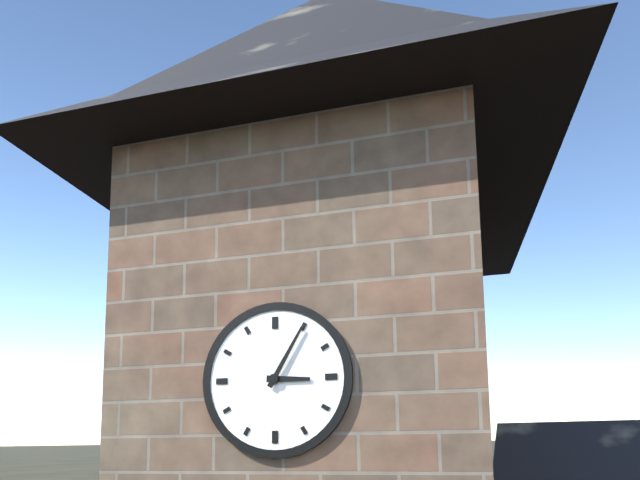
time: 3:05
